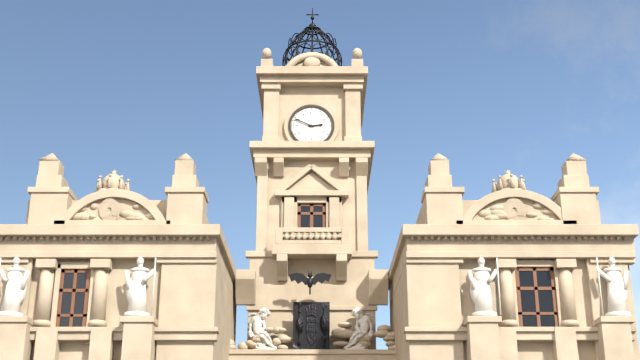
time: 2:49
